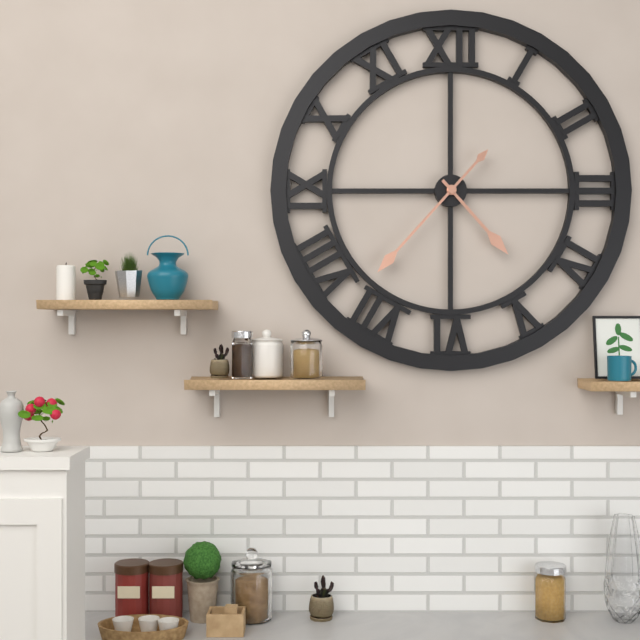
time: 4:37
